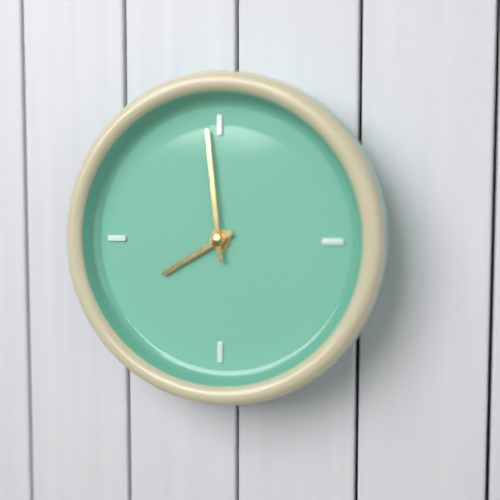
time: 7:59
